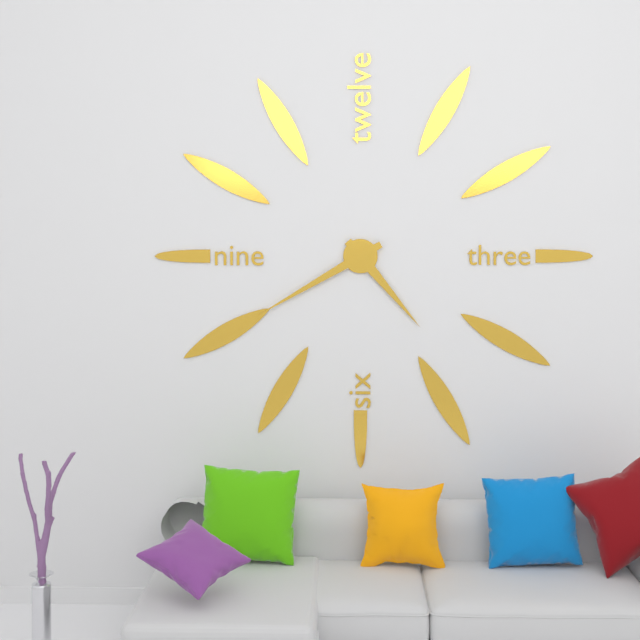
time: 4:40
